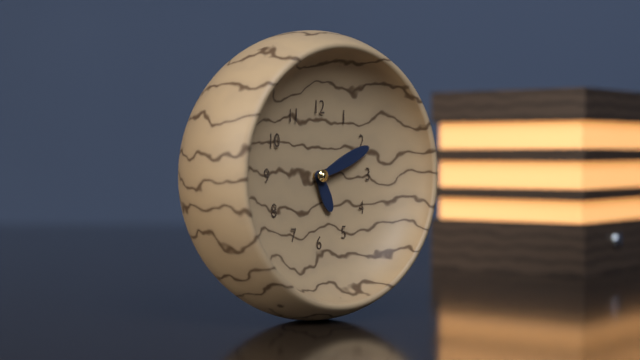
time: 5:11
